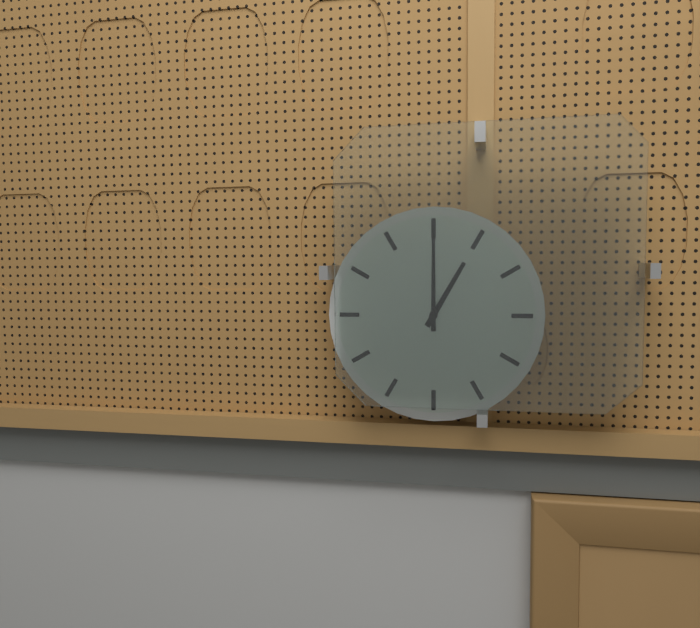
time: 1:00
